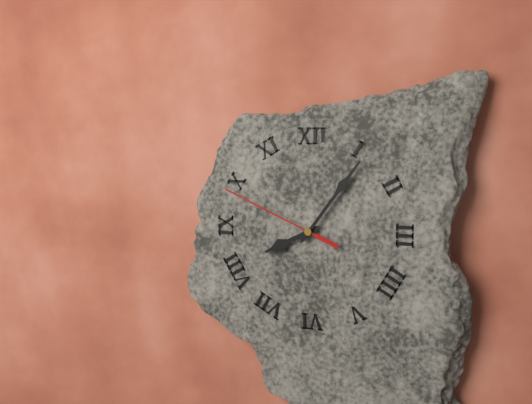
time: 8:06:49
